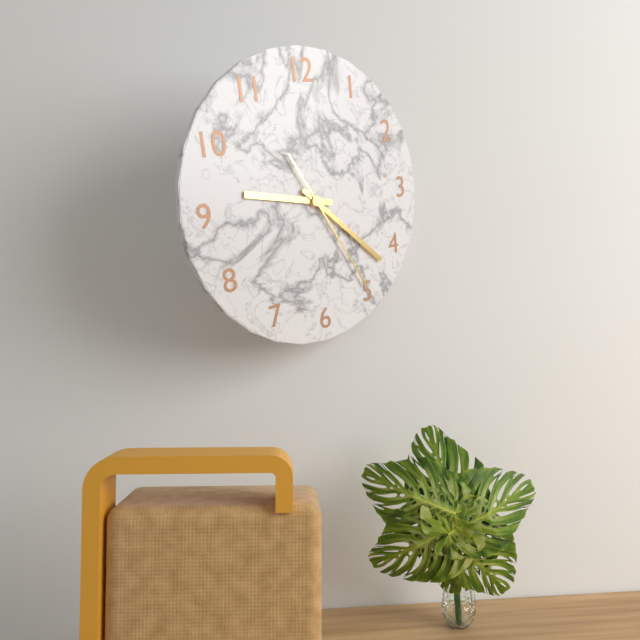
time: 9:22:25
